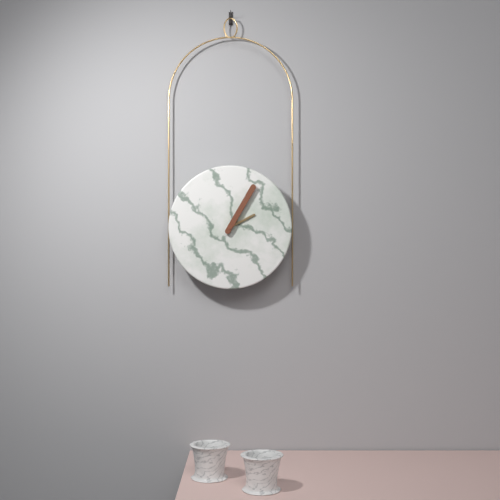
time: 2:05
